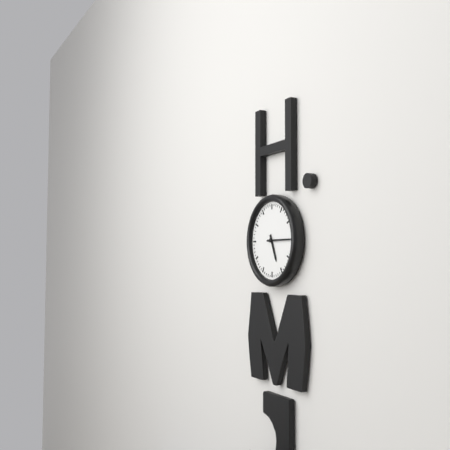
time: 5:15
